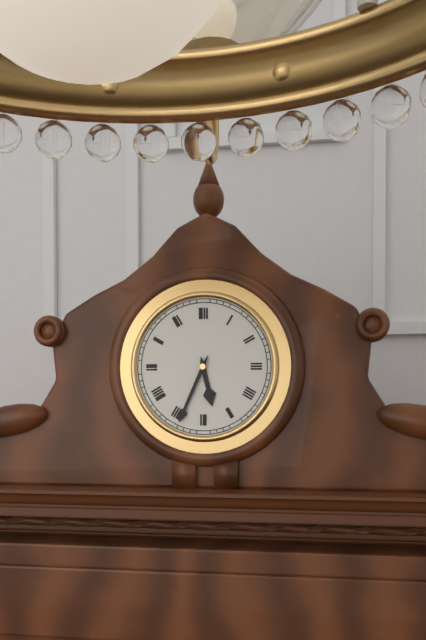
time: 5:34
